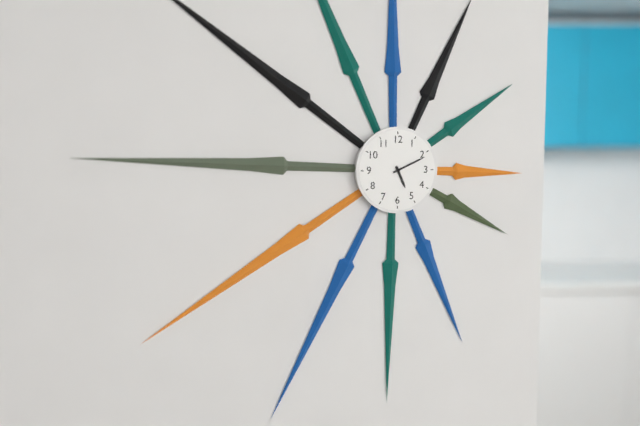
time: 5:11
